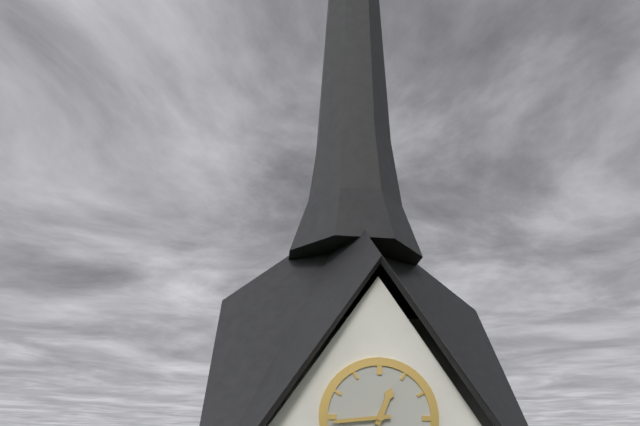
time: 12:44
